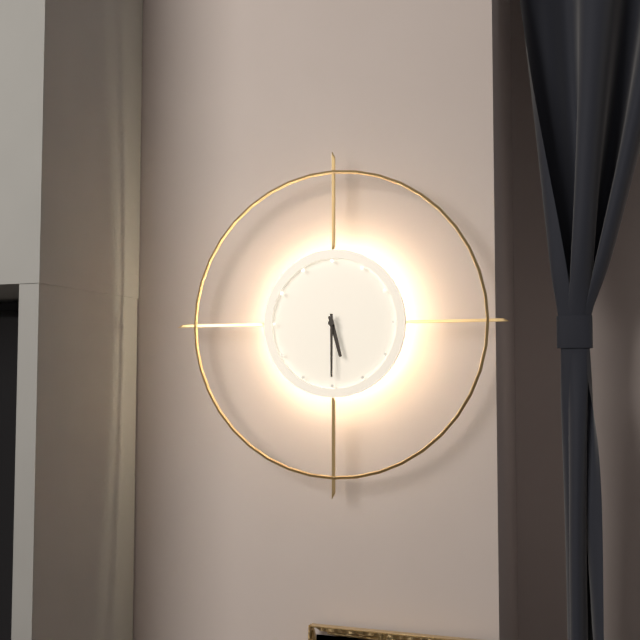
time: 5:30
